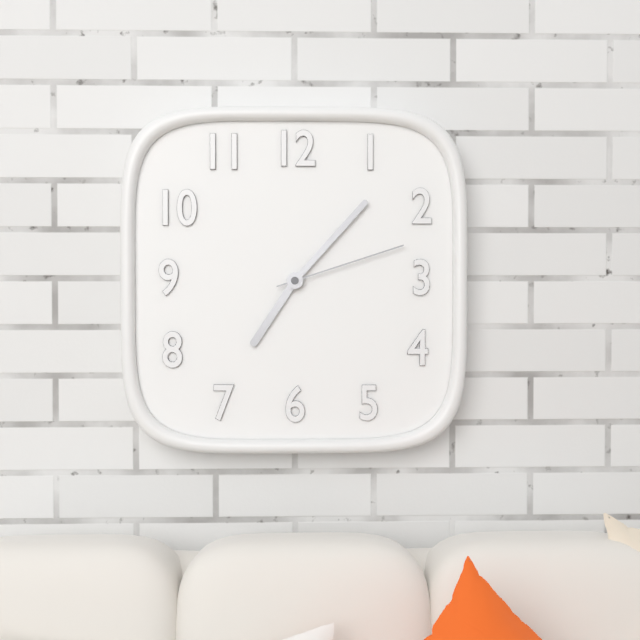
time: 7:07:12
